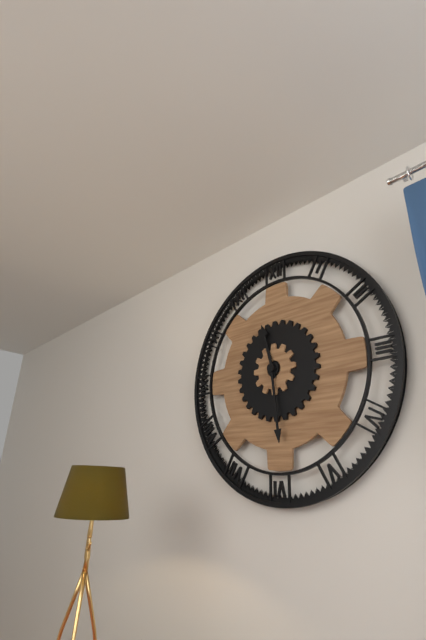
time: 11:29
